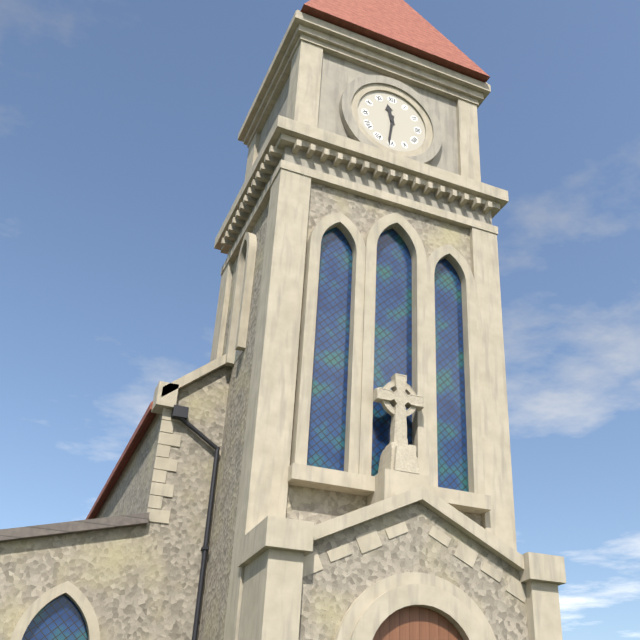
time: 11:31
